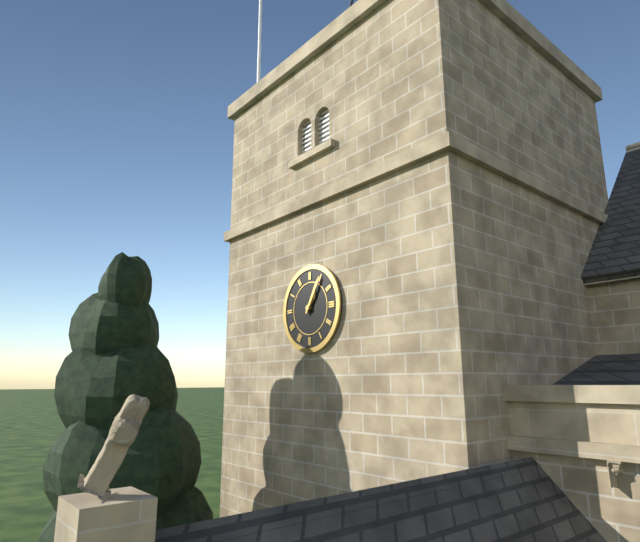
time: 1:05
